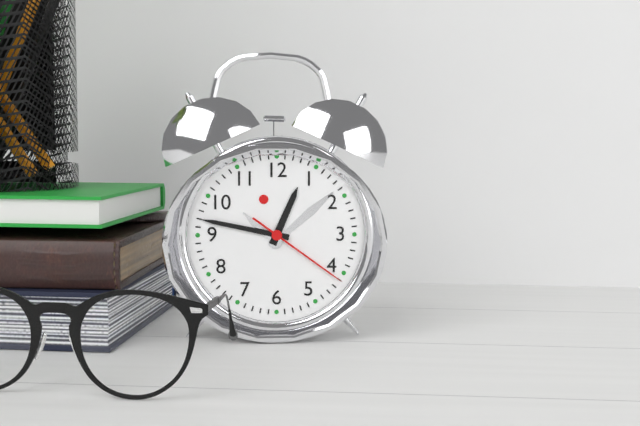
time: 12:47:21
